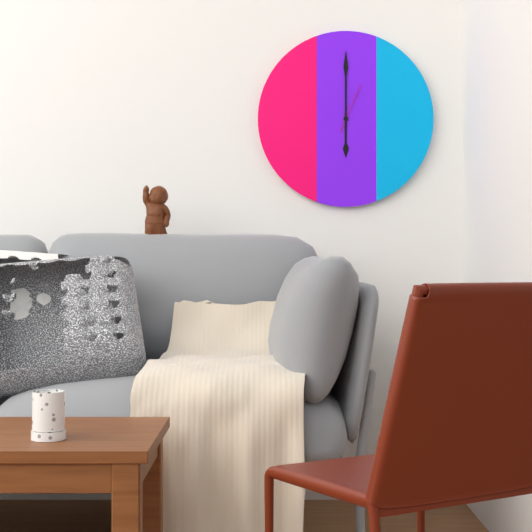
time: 6:00
